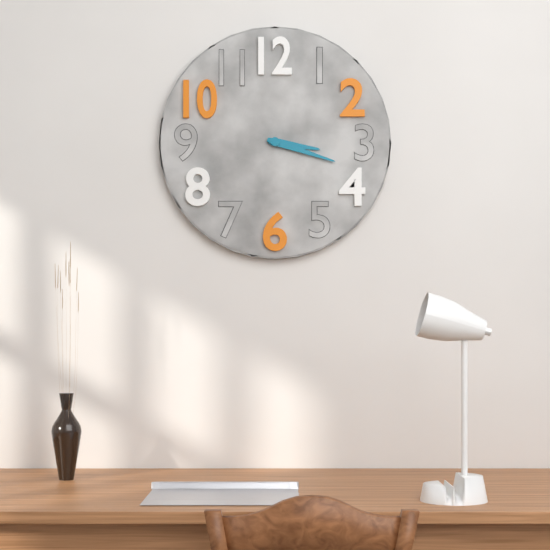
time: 3:18
